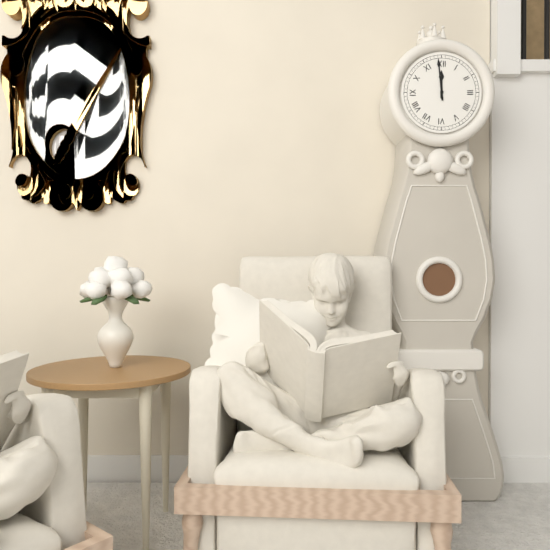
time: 11:59
